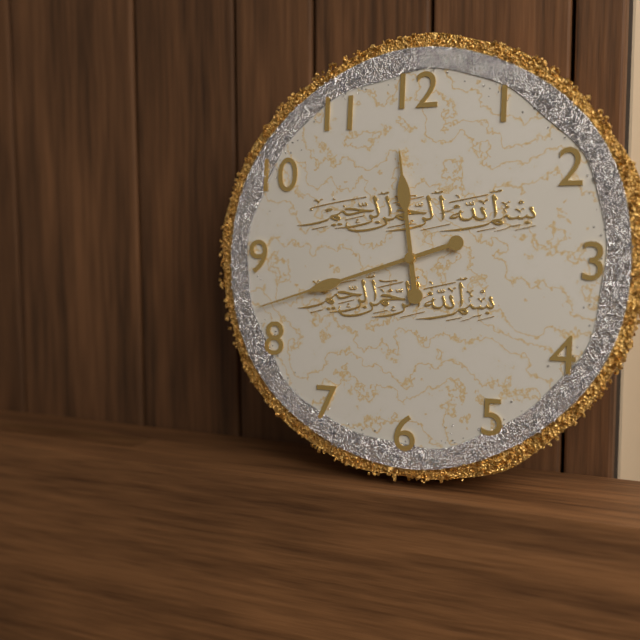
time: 11:42
